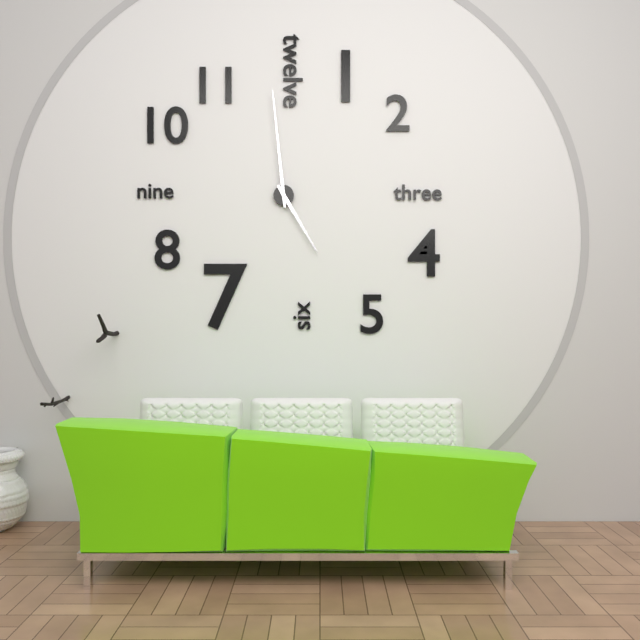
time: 4:59
